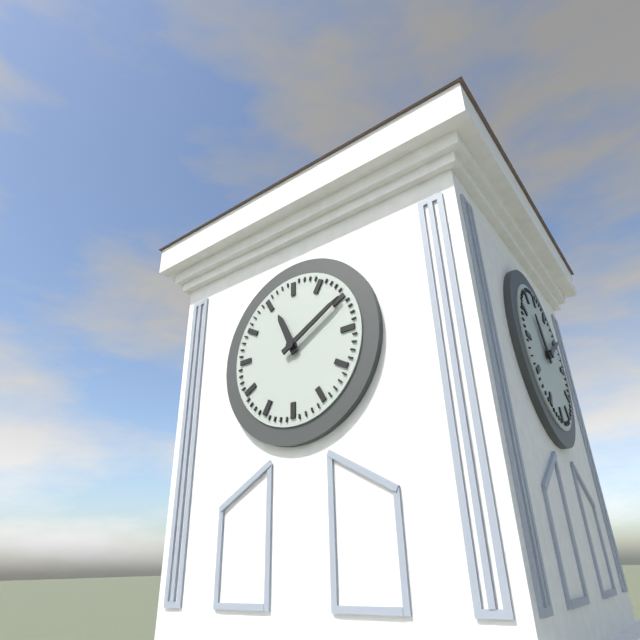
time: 11:10
